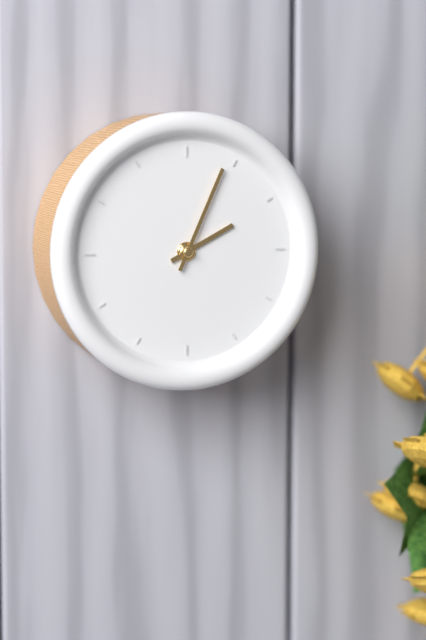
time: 2:04
